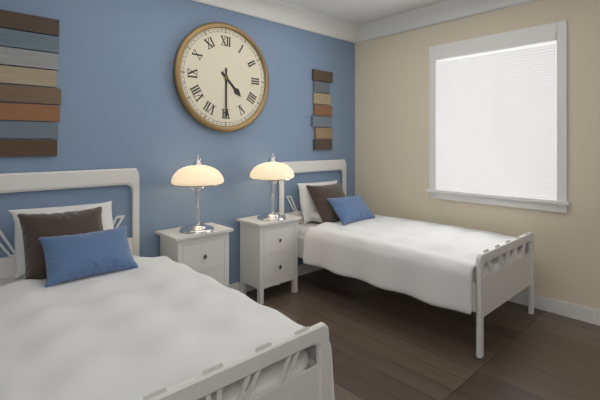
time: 4:30
